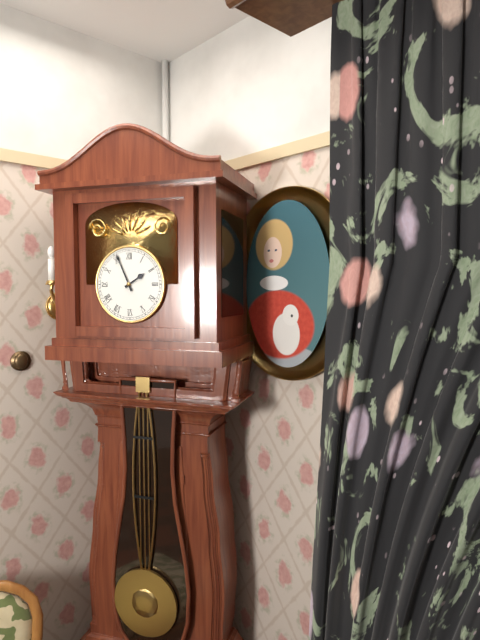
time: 1:56
